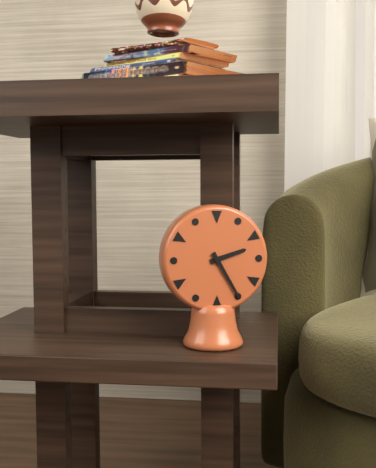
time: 2:25
